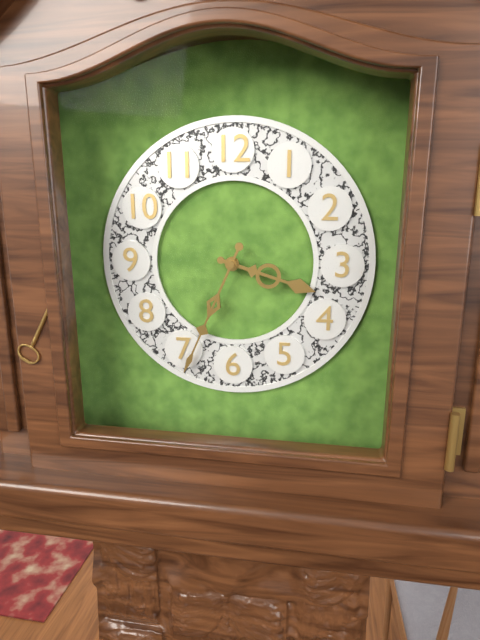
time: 3:34
